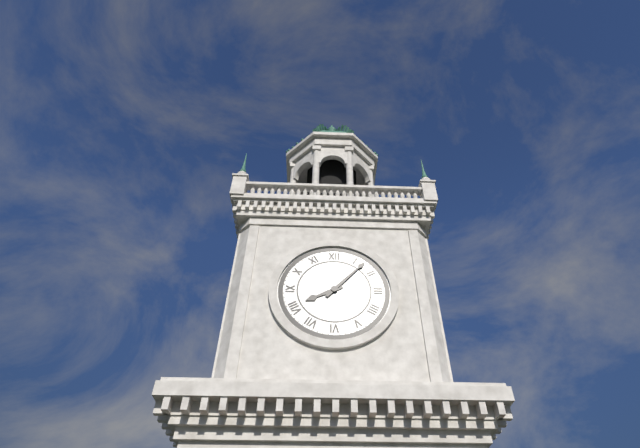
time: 8:07
